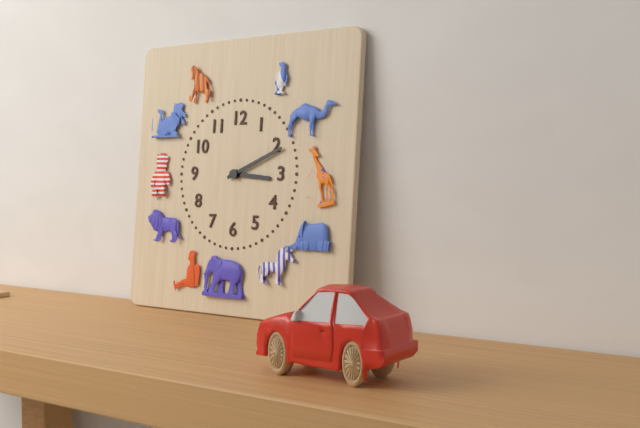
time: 3:11
